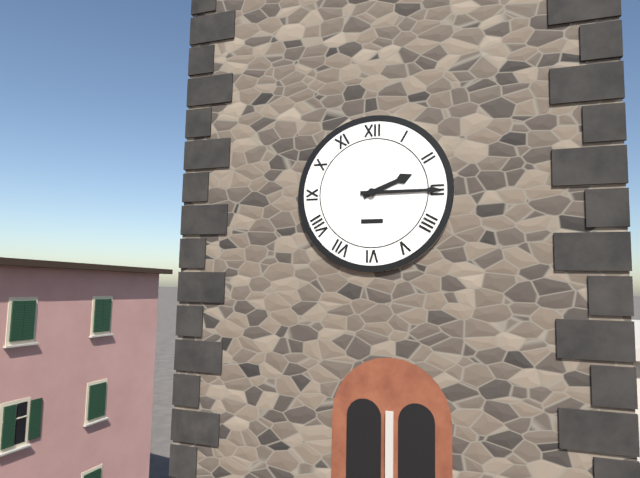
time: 2:15
